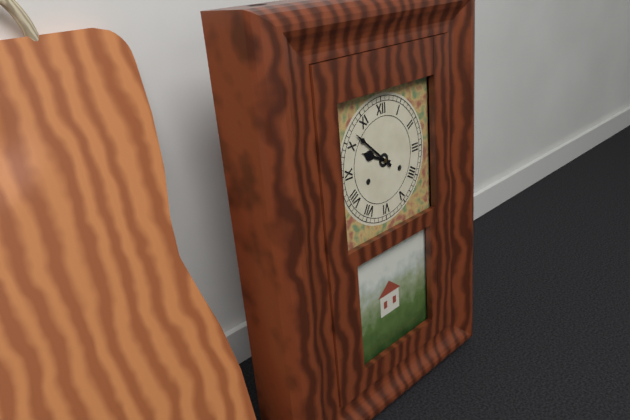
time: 9:52
